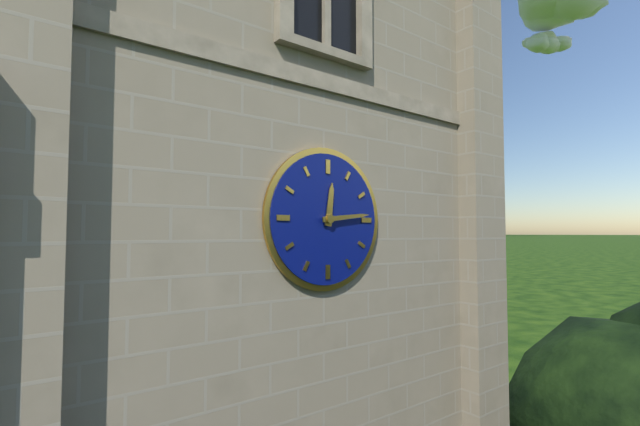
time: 12:14
